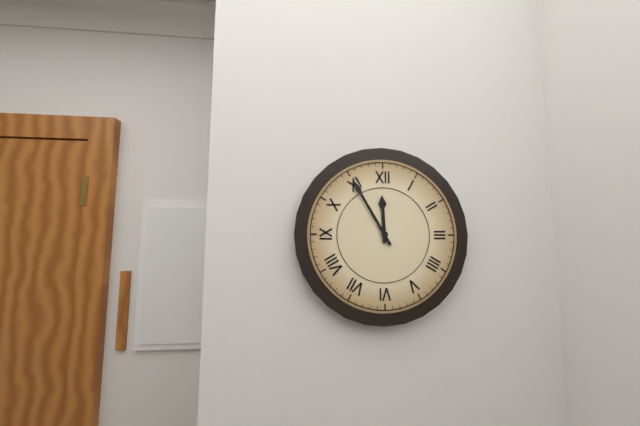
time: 11:55
